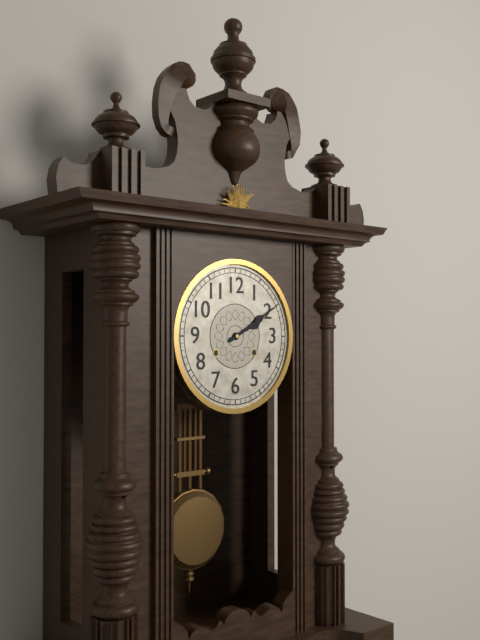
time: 2:10
